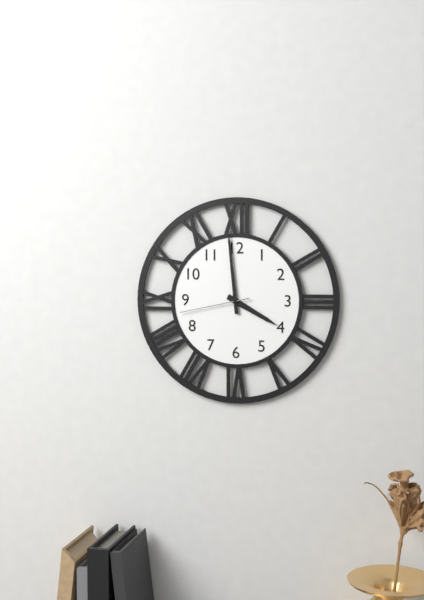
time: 3:59:43
